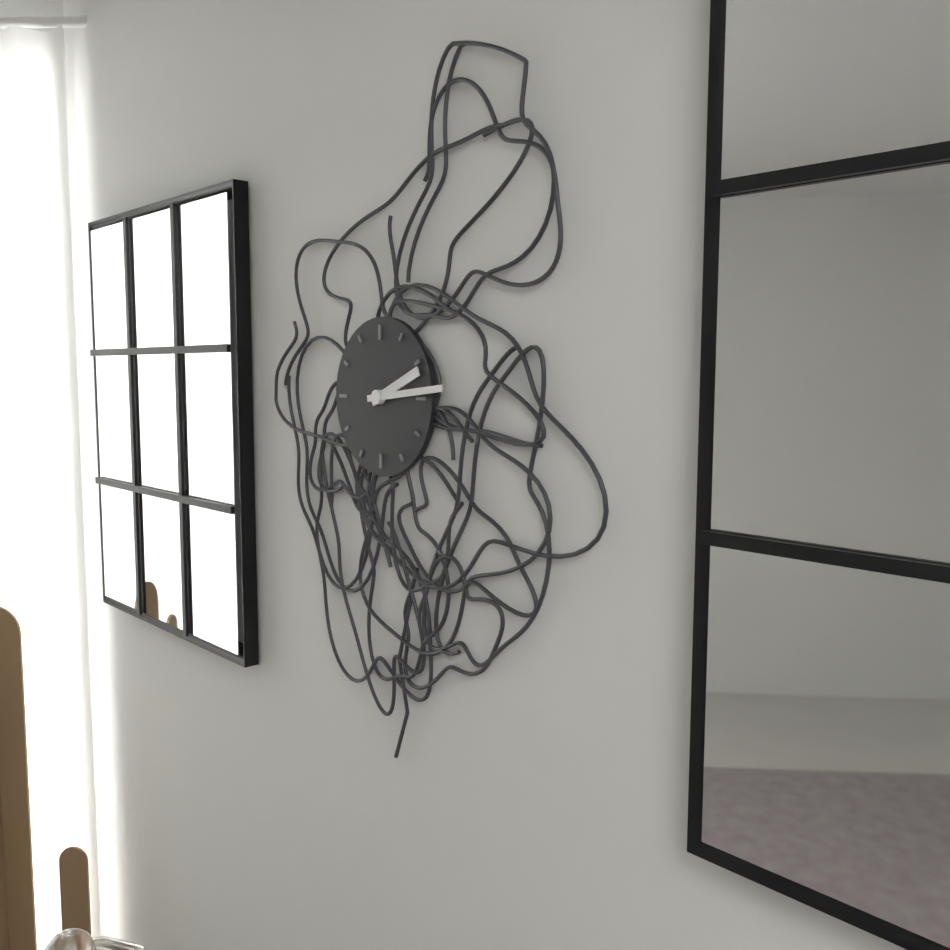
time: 2:14
